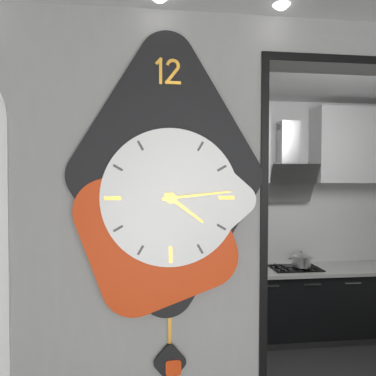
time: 4:14
